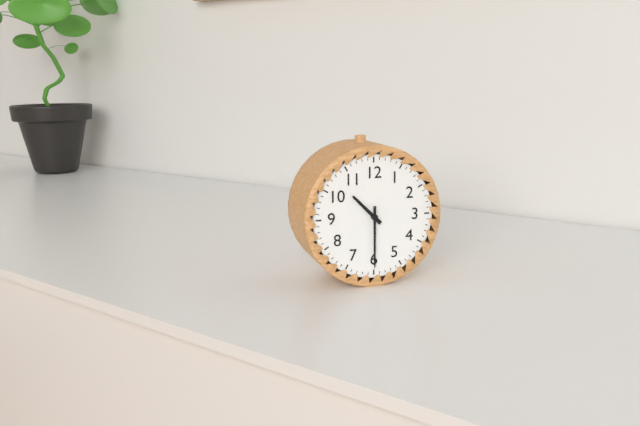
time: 10:30
